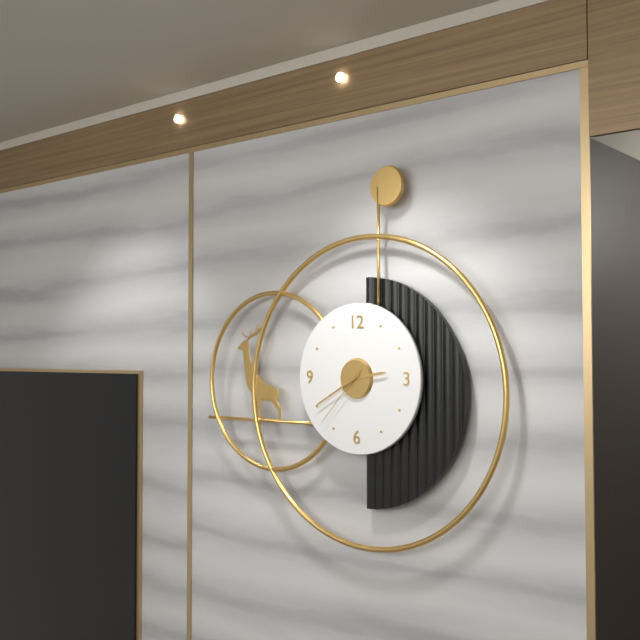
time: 2:40:37
